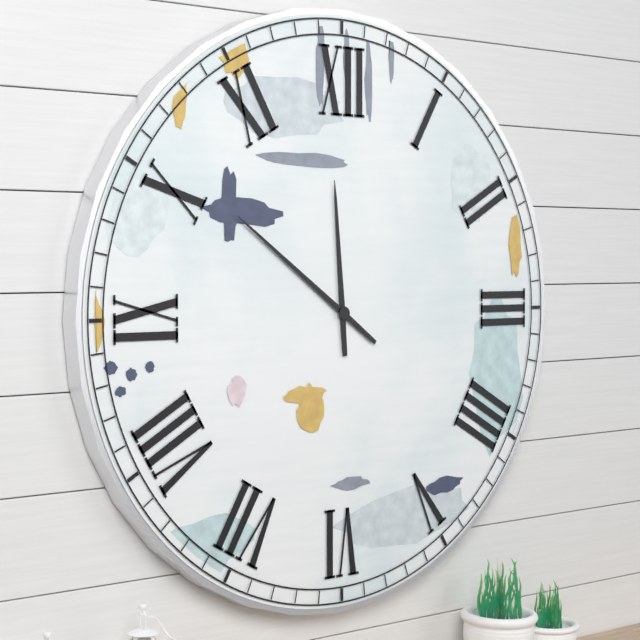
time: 11:51
